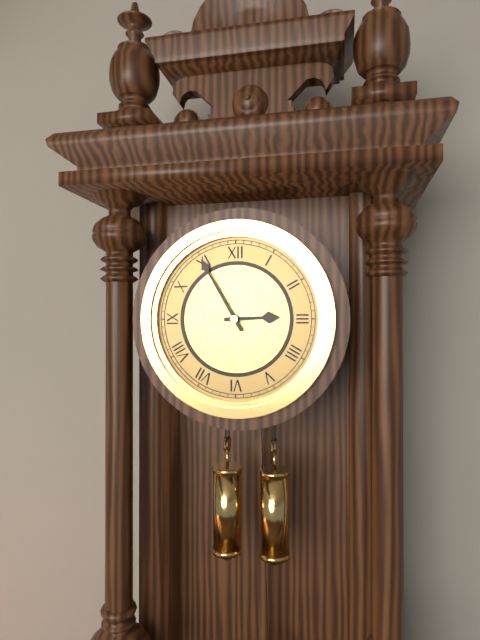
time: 2:55
